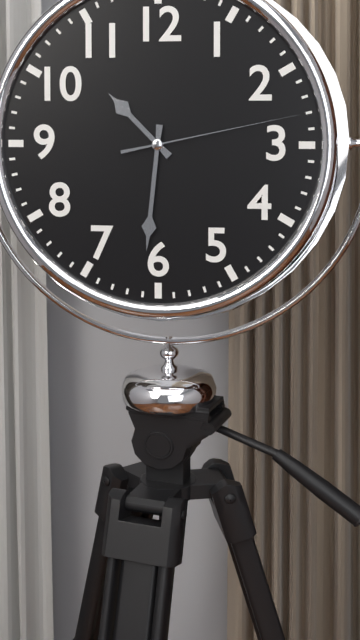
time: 10:31:13
